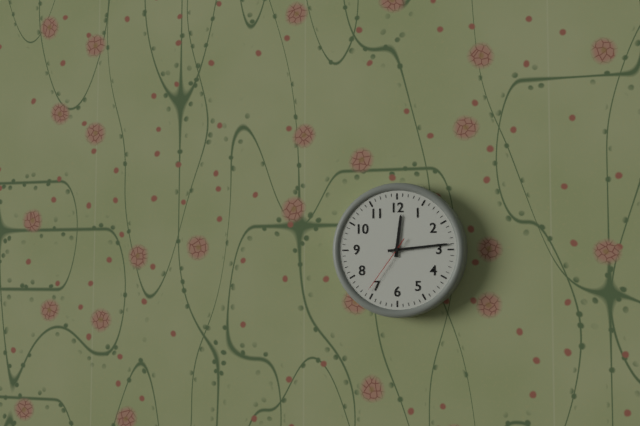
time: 12:14:36
